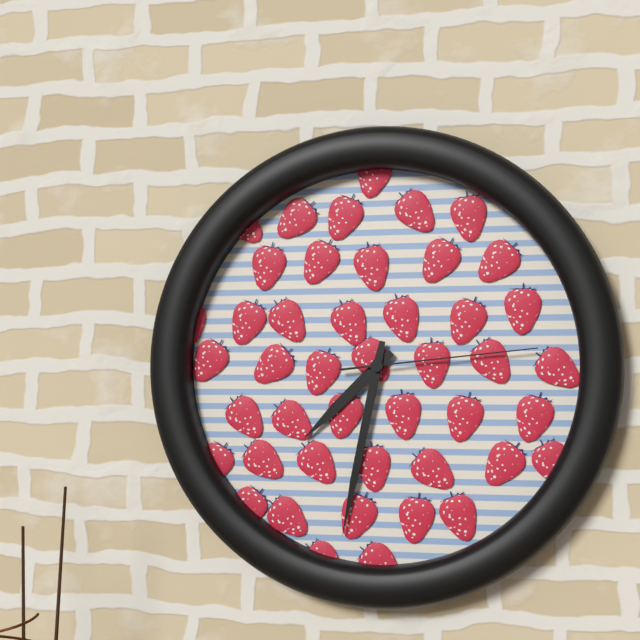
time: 7:32:14
